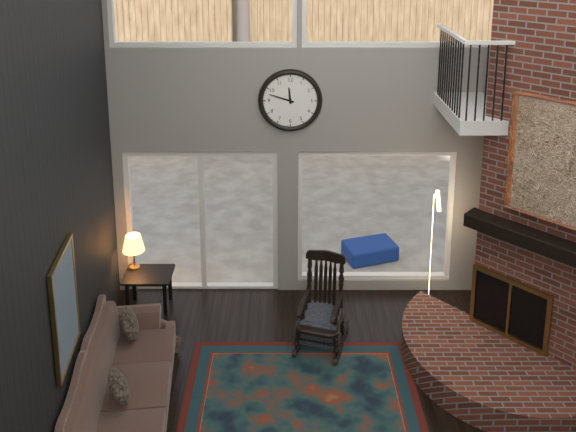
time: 11:48
